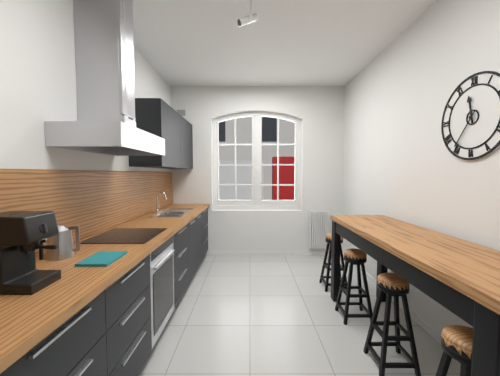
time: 11:36
